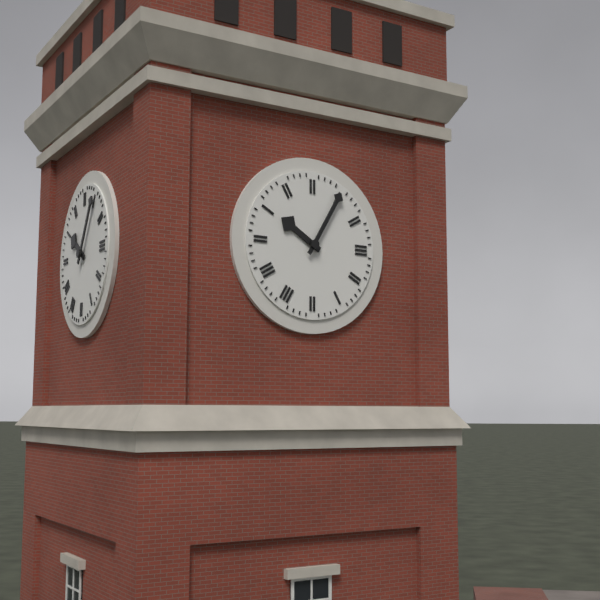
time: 10:05
